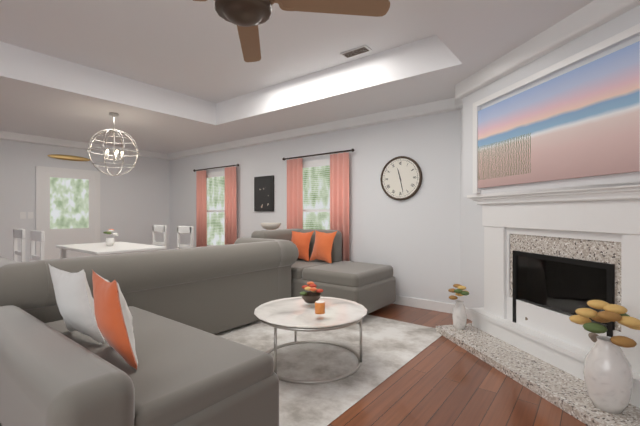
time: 11:28
